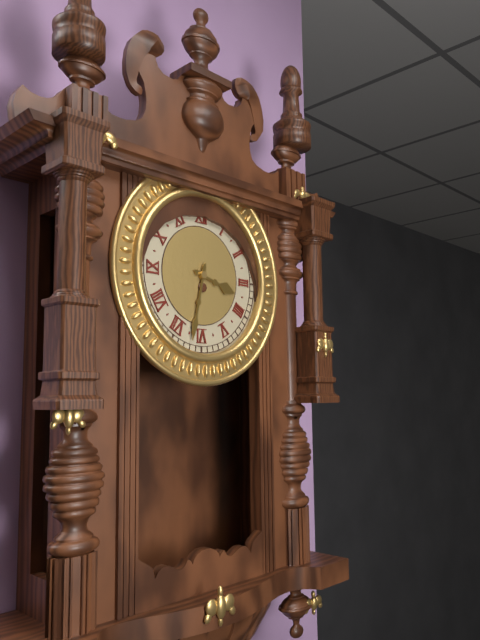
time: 3:32
